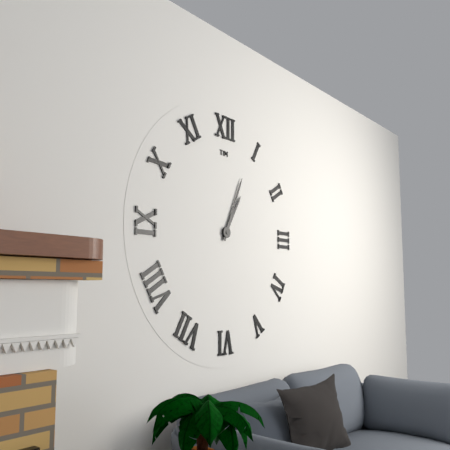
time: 1:04
